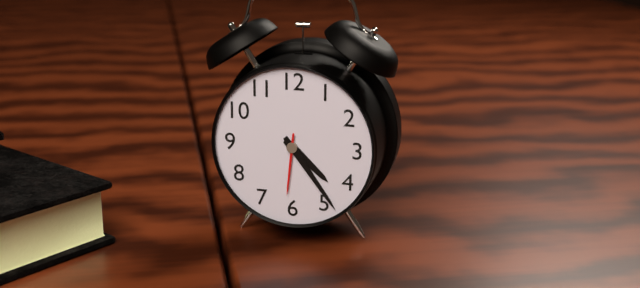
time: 4:24:31
